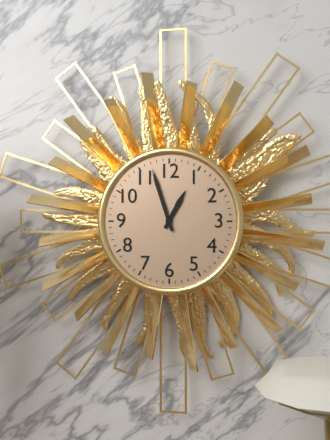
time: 12:57
